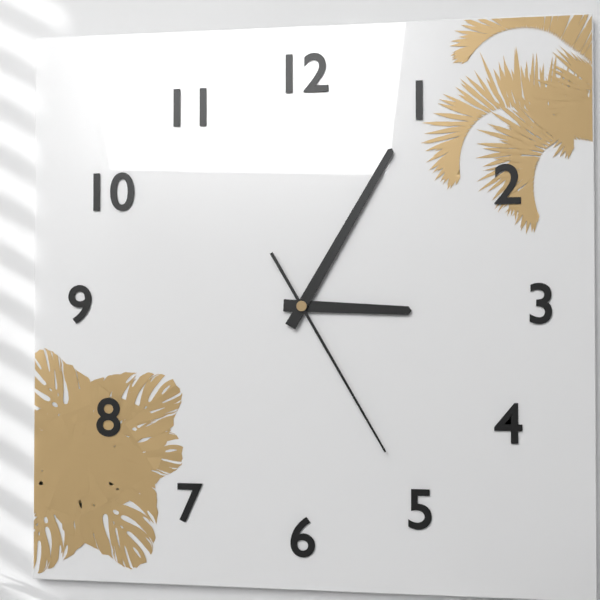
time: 3:05:25
